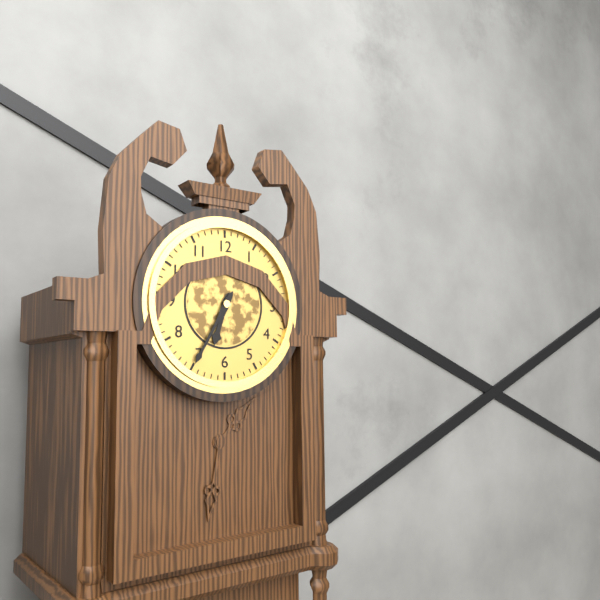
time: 6:35
